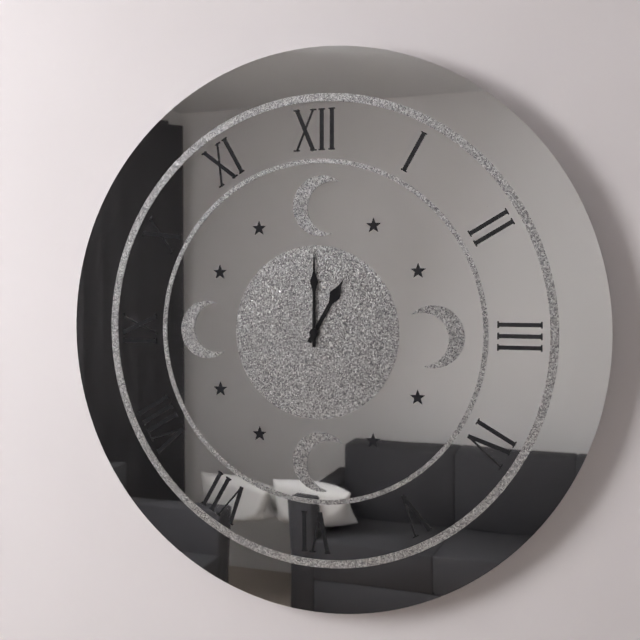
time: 1:00
